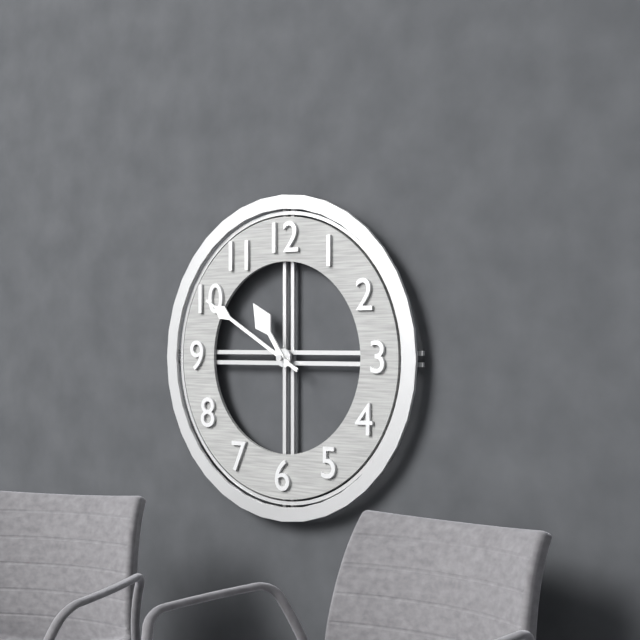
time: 10:50
